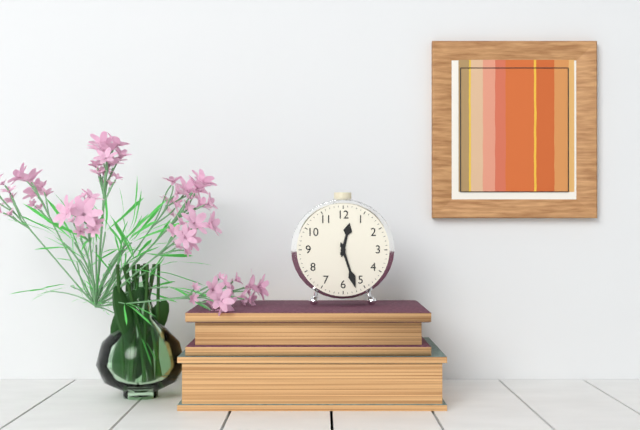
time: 12:27
